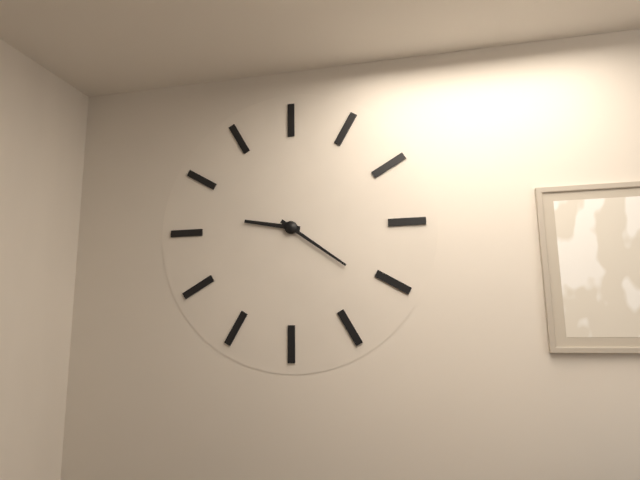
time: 9:21
